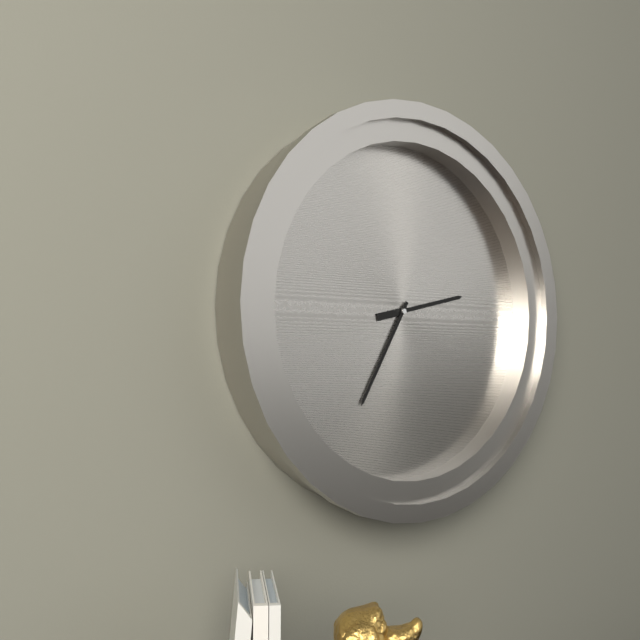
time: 2:35
